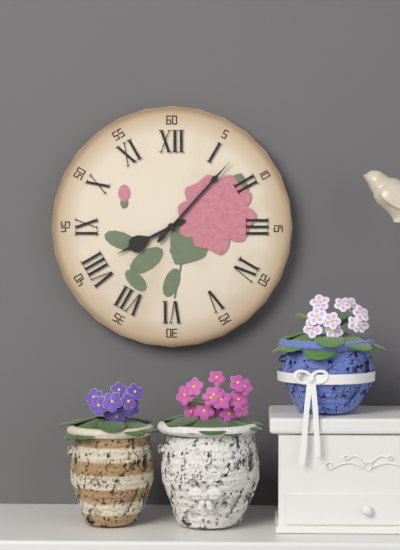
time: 8:07
